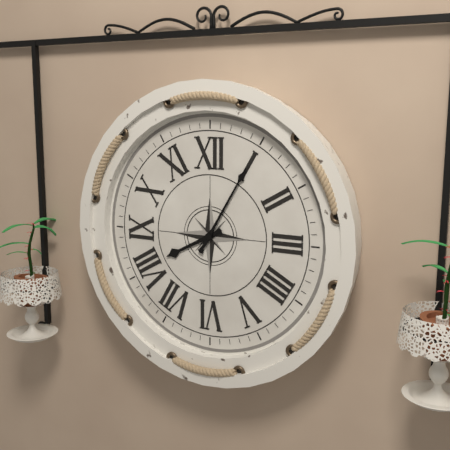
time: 8:05
